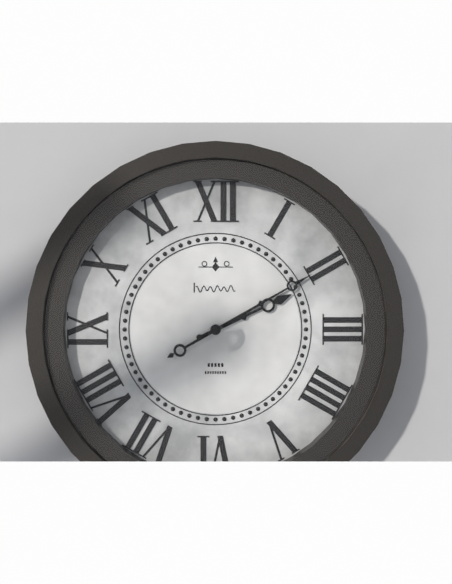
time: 2:10
